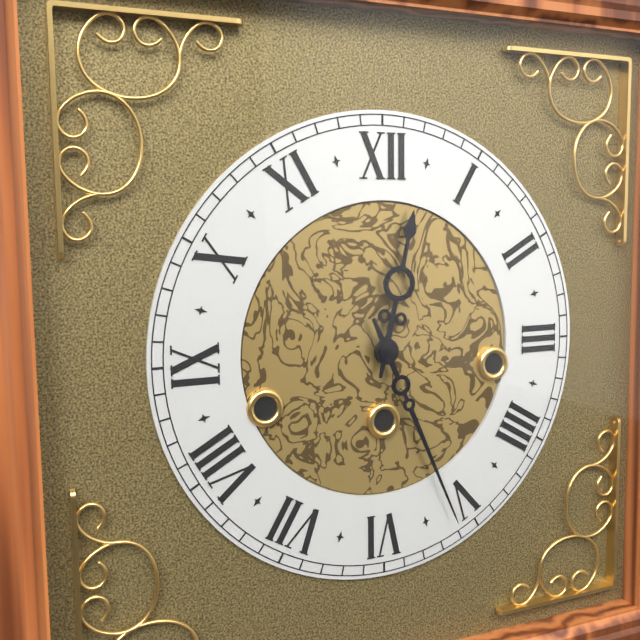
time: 12:26
